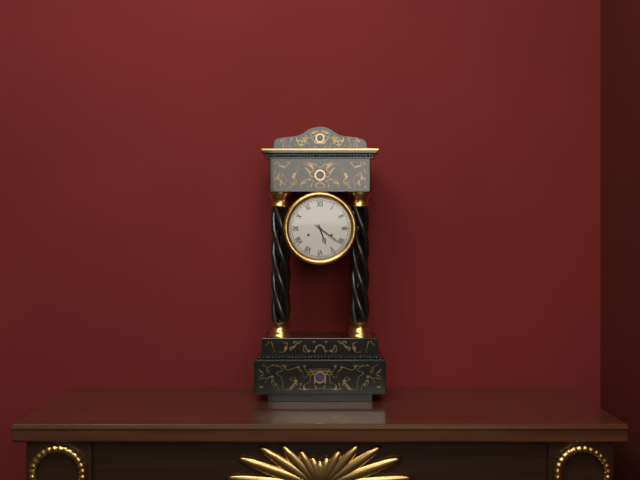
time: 5:21
